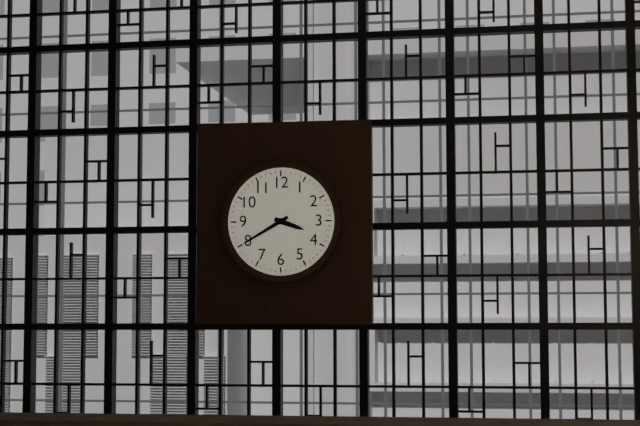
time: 3:40
